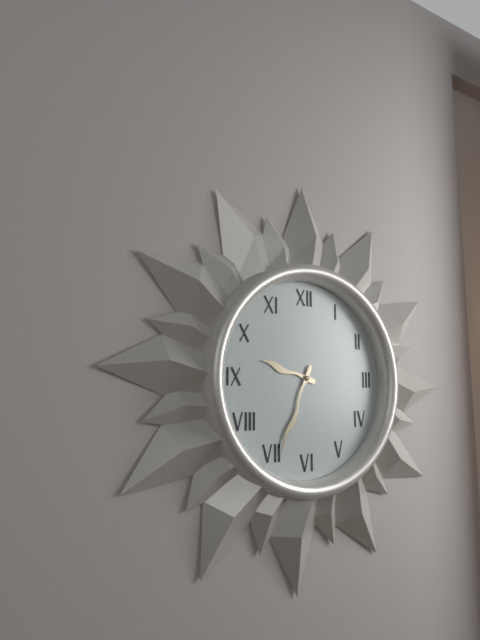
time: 9:34
